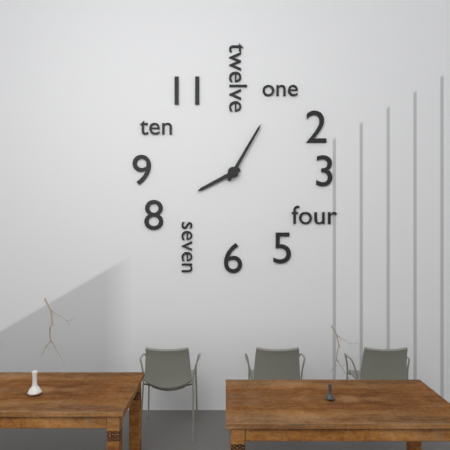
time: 8:05
